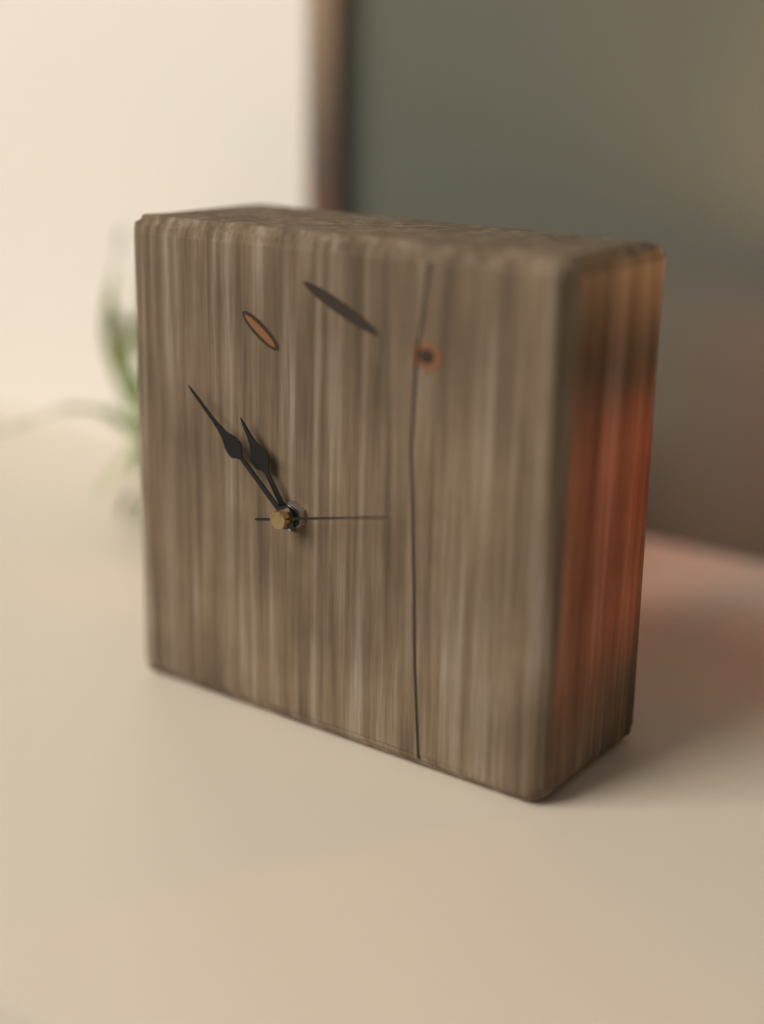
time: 10:52:13
